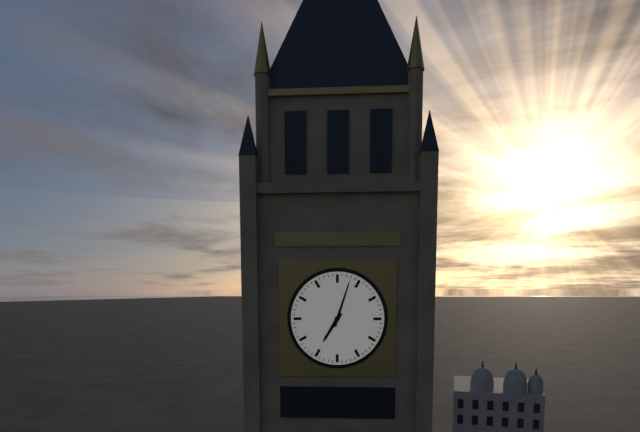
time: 7:03
